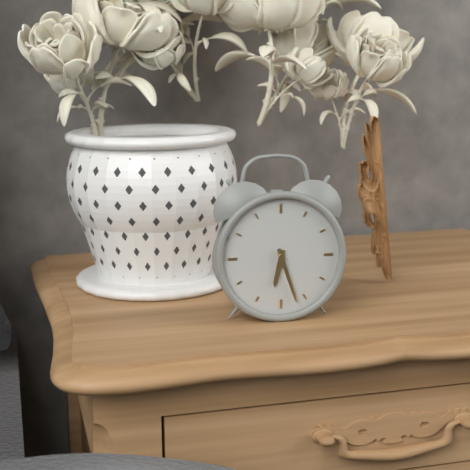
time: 6:27
